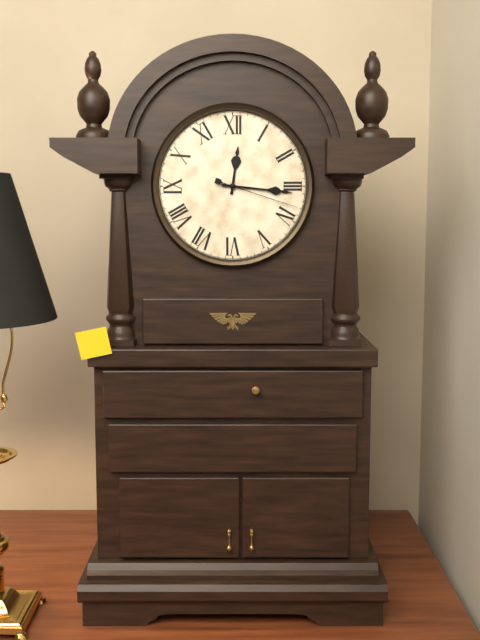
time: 12:16:18
